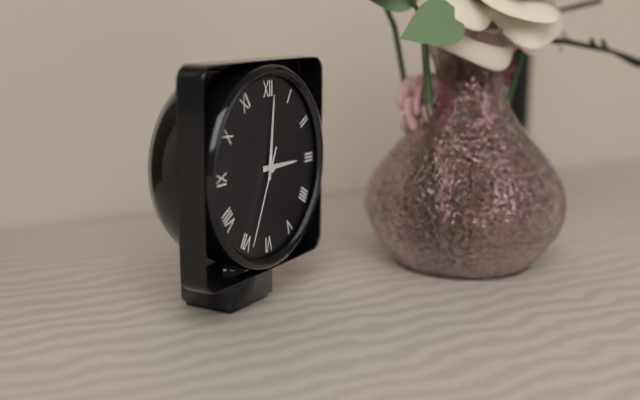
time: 3:01:34
